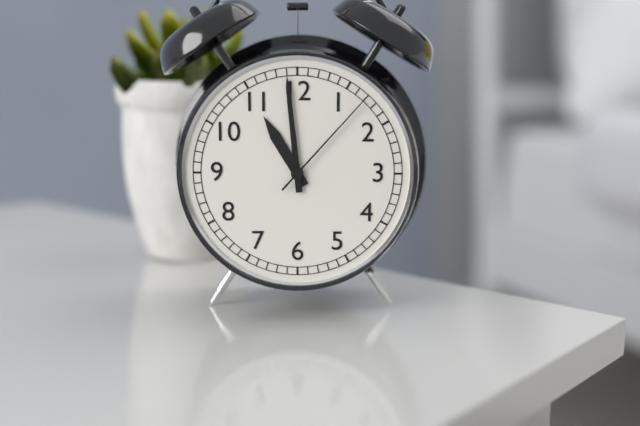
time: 10:59:07
